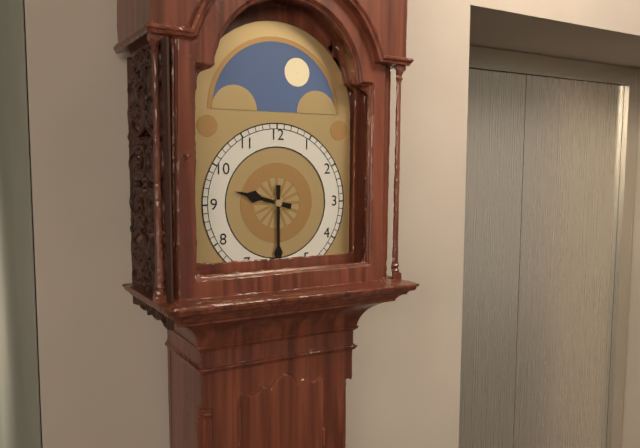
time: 9:30
